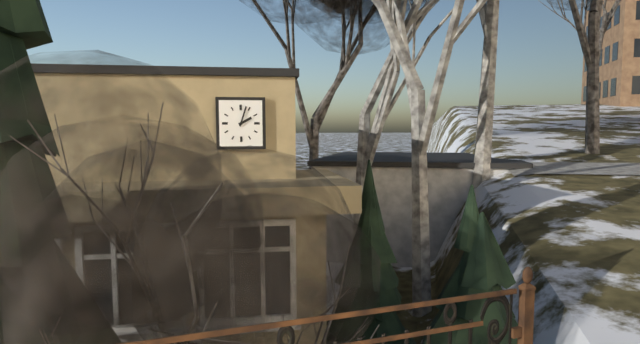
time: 2:03
